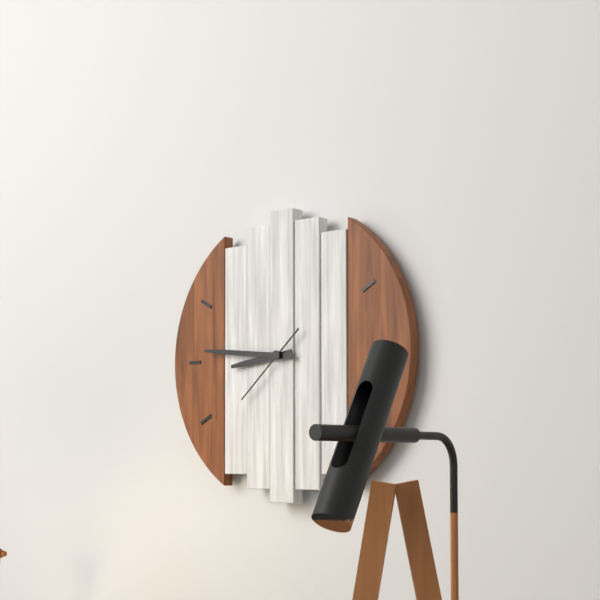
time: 8:46:38
